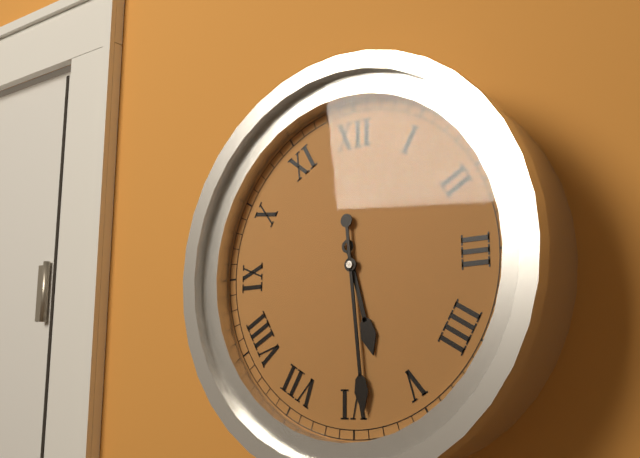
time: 5:29
